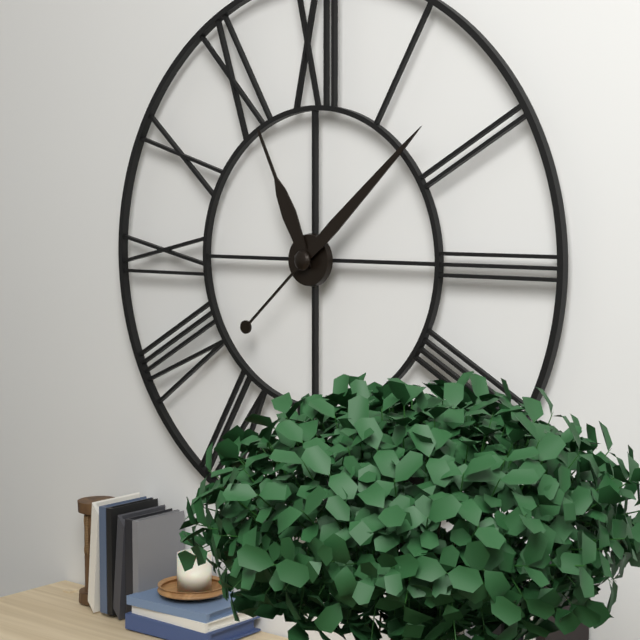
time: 11:08
